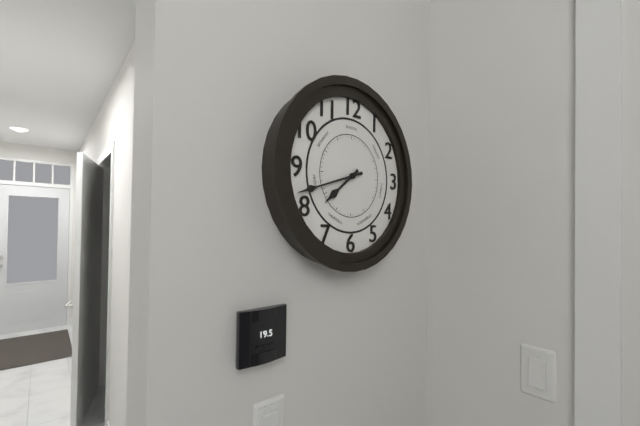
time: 7:42
